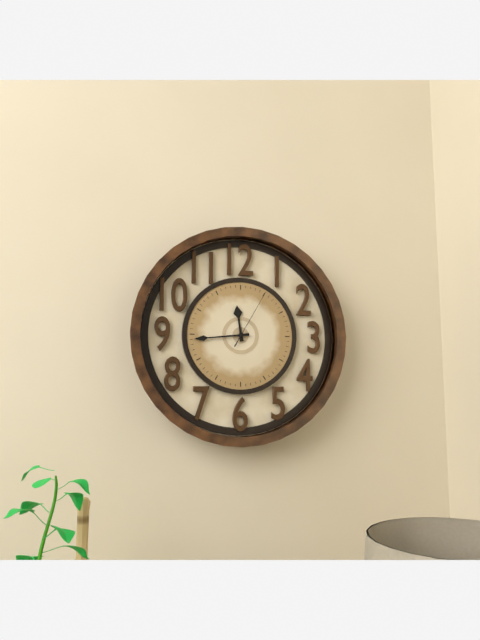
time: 11:44:05
